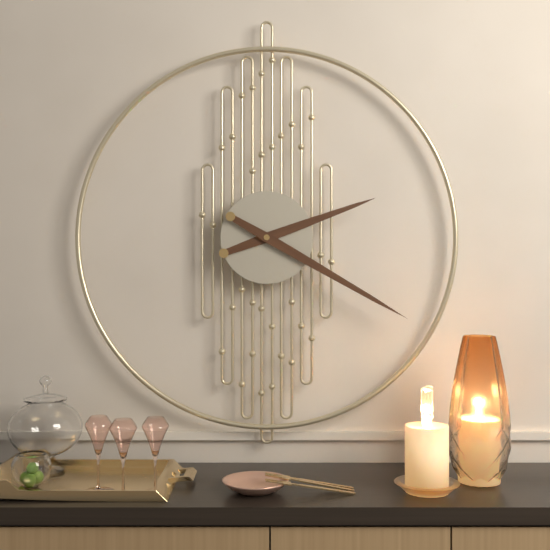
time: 2:20
